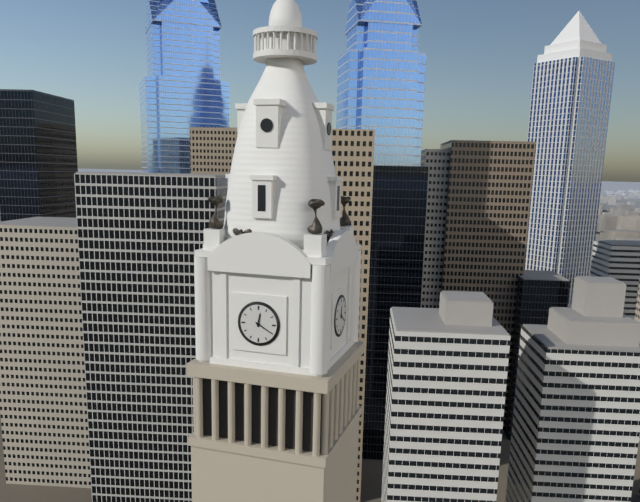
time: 12:20
